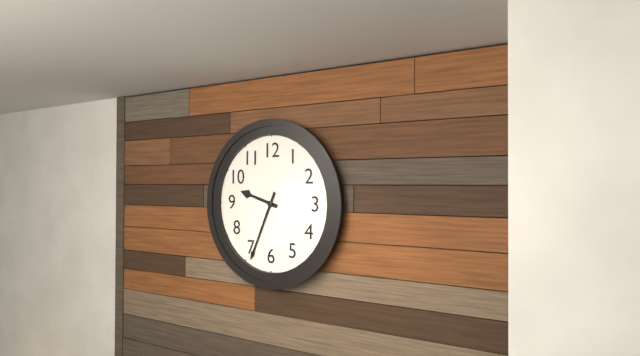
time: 9:34
